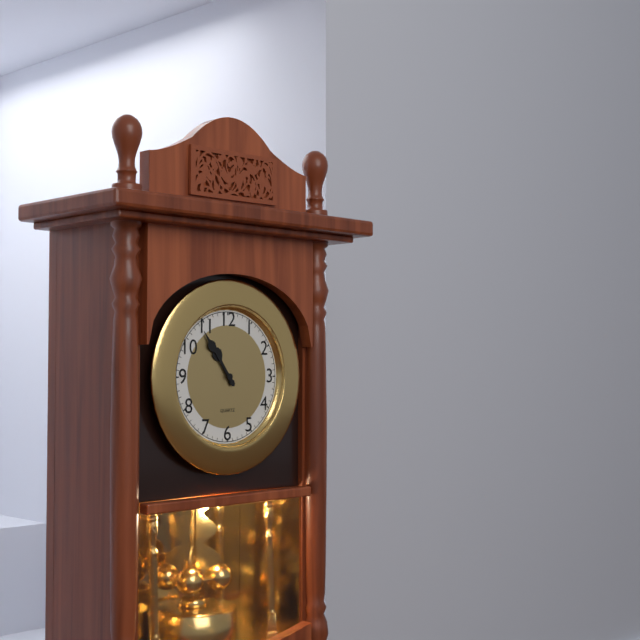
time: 10:54
